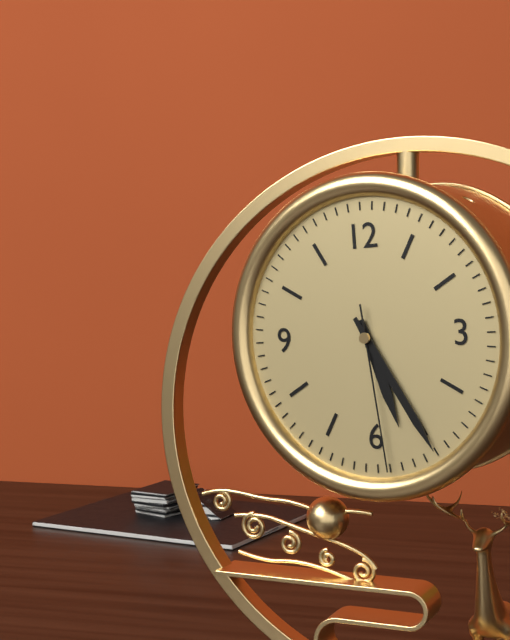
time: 5:25:29
